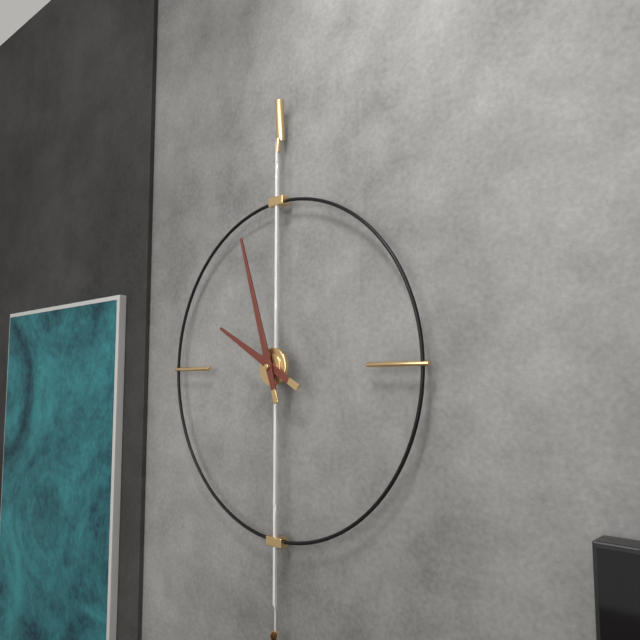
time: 9:57
